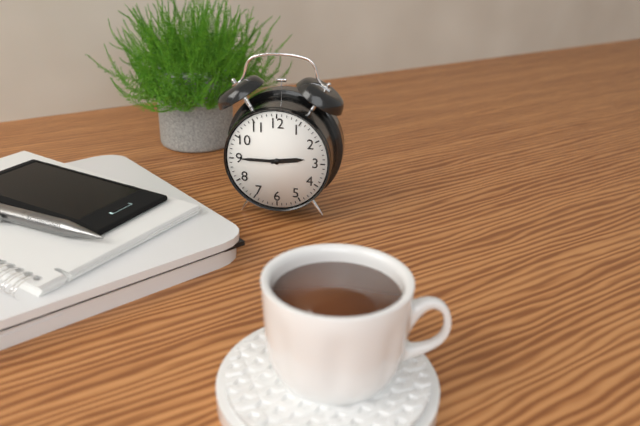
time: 2:45
